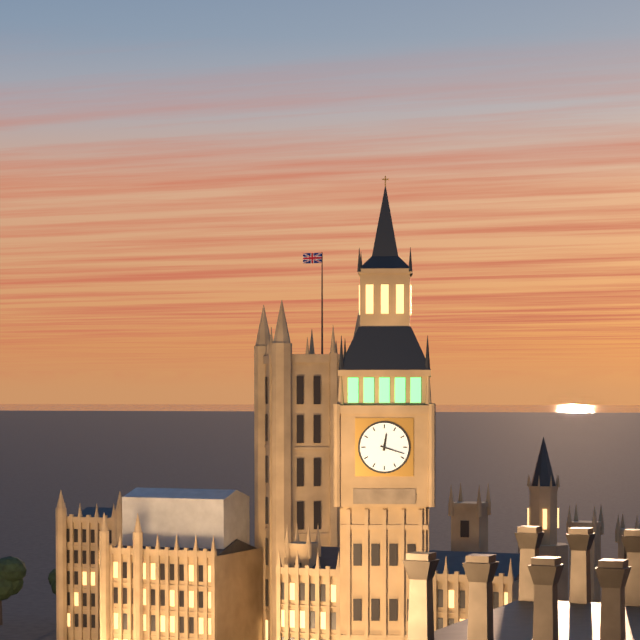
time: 12:18
